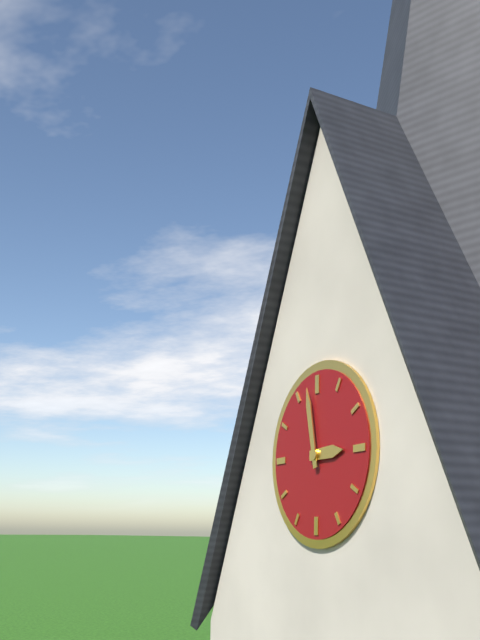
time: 2:58
